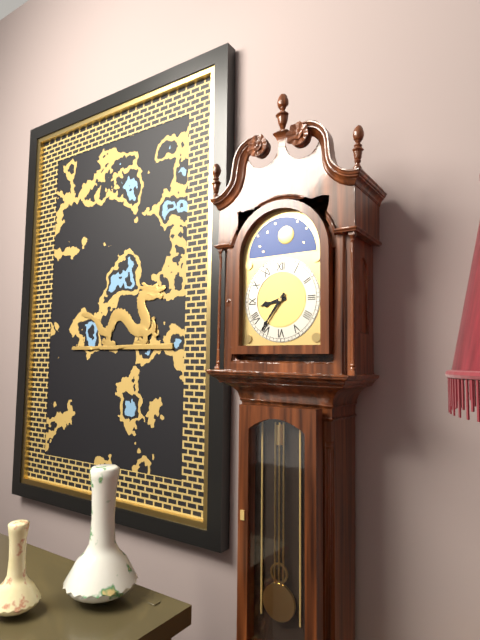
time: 8:36
